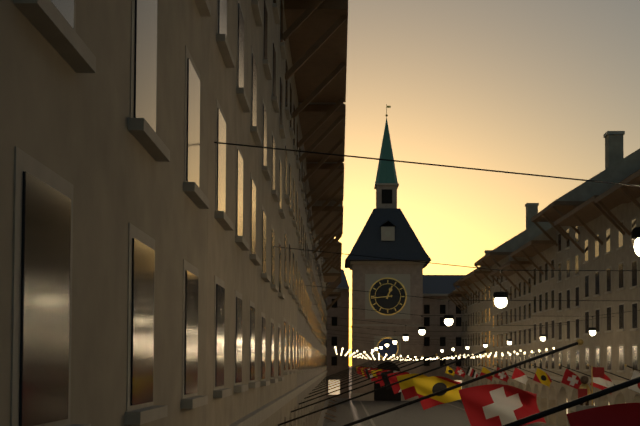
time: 12:44
